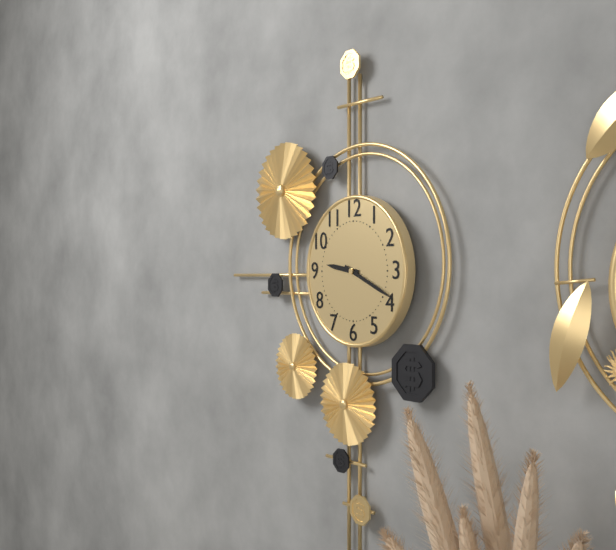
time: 9:19
